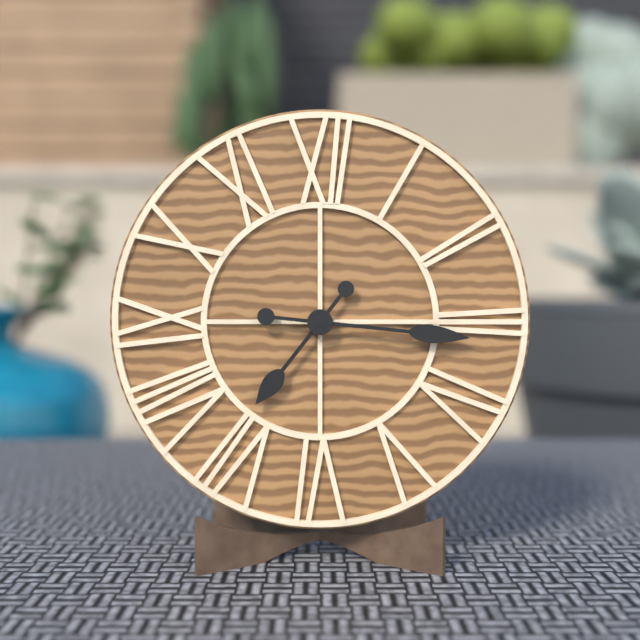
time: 7:16
